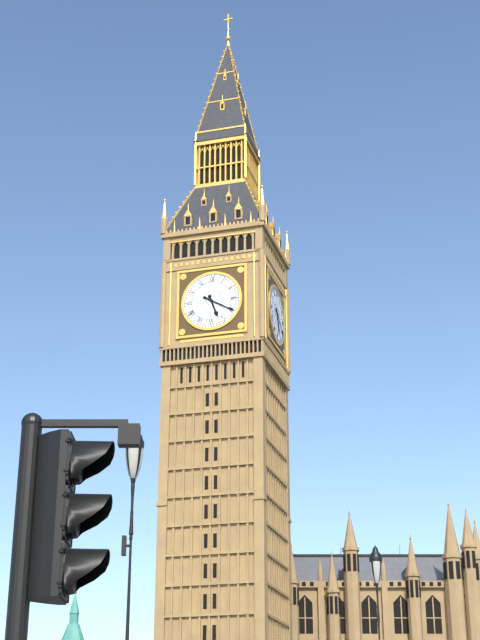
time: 5:20
